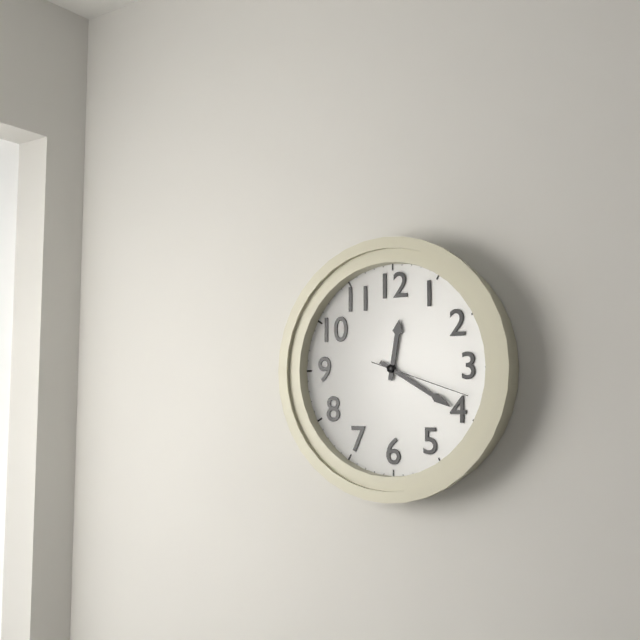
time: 12:20:18
